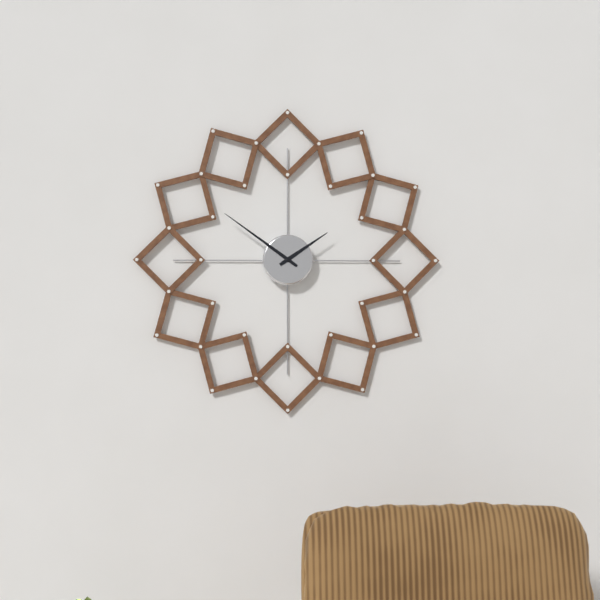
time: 1:51
